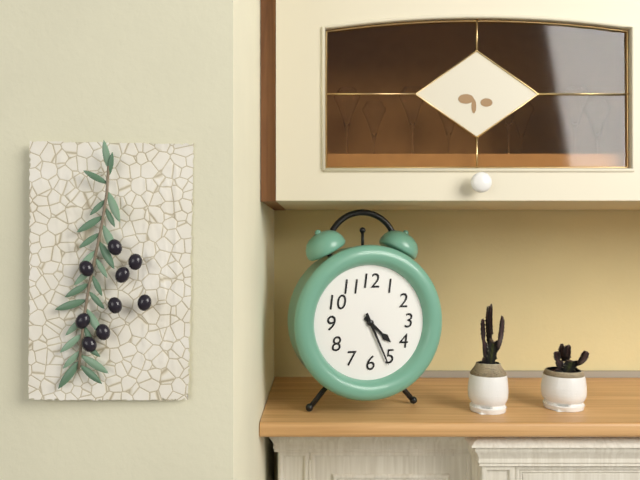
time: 4:26
